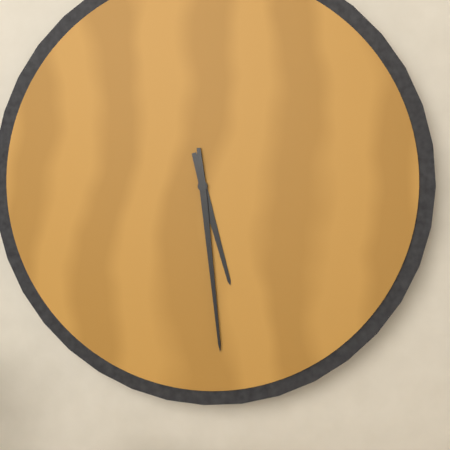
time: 5:29
